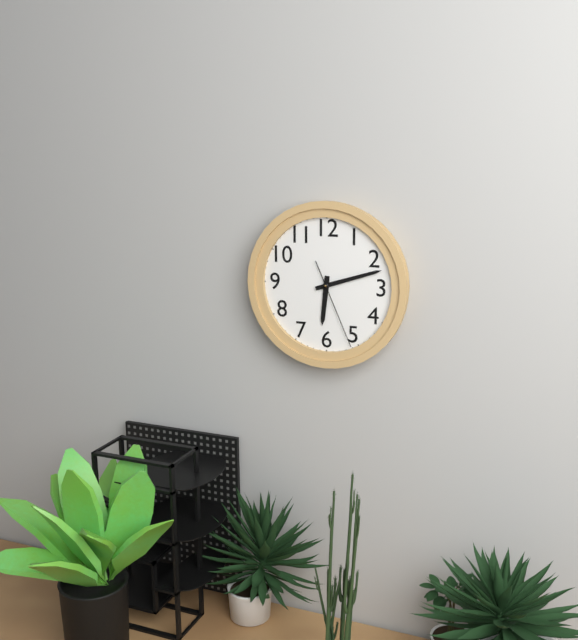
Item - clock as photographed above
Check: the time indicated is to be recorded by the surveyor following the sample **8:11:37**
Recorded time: **6:12:26**
